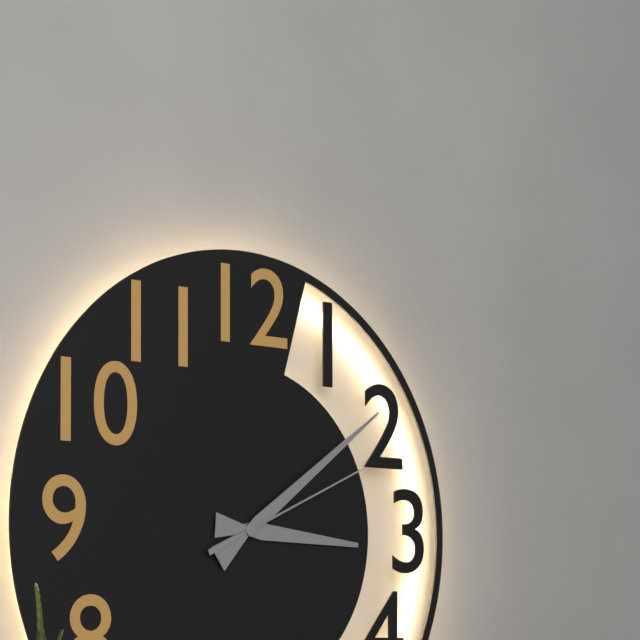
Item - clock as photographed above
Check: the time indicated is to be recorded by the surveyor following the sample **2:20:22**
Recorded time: **3:09:11**
